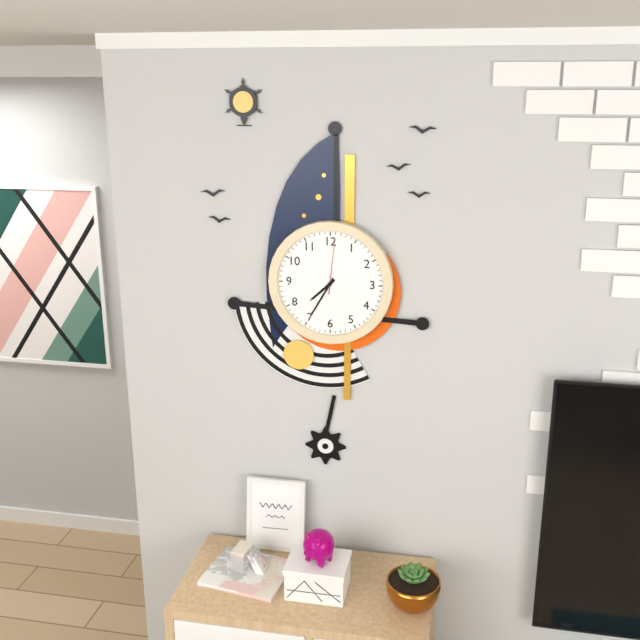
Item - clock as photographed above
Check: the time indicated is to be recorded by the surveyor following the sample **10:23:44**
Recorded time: **7:35:01**
